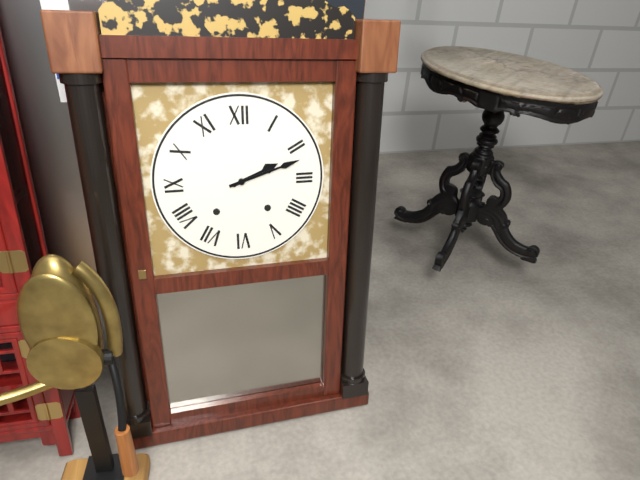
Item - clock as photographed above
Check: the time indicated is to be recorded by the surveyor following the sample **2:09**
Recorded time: **2:12**
